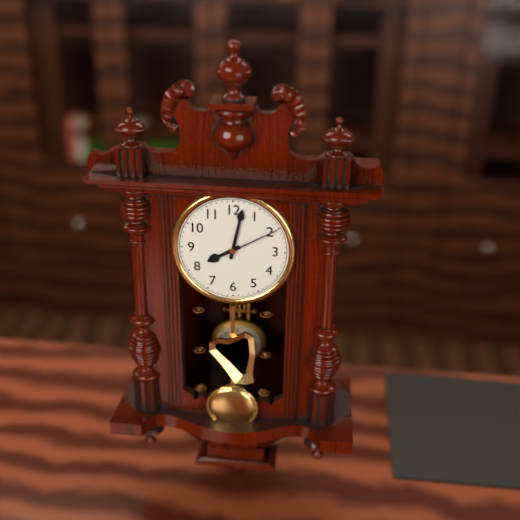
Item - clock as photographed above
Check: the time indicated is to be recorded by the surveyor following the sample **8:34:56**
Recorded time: **8:02:10**
